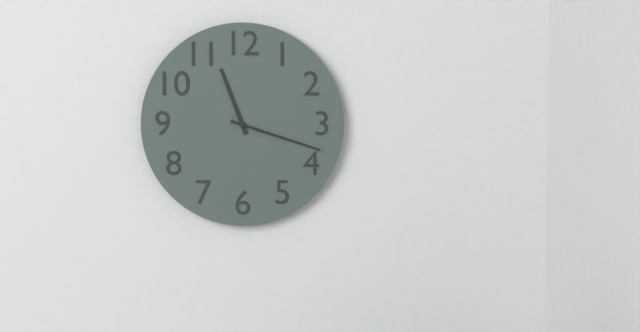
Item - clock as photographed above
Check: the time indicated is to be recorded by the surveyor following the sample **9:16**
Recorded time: **11:18**
